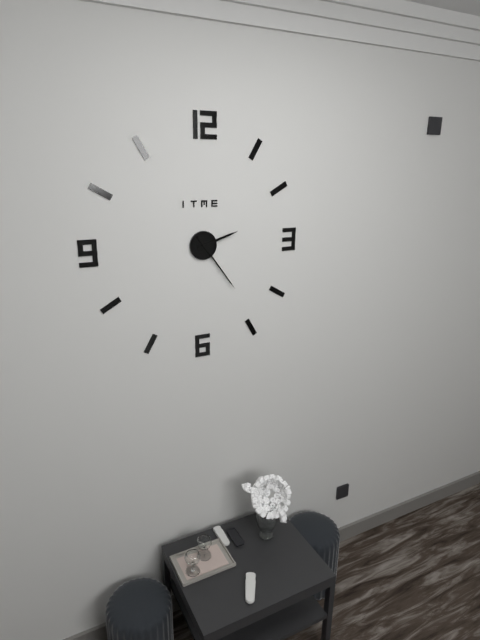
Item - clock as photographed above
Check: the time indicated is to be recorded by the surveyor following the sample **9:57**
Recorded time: **2:24**
